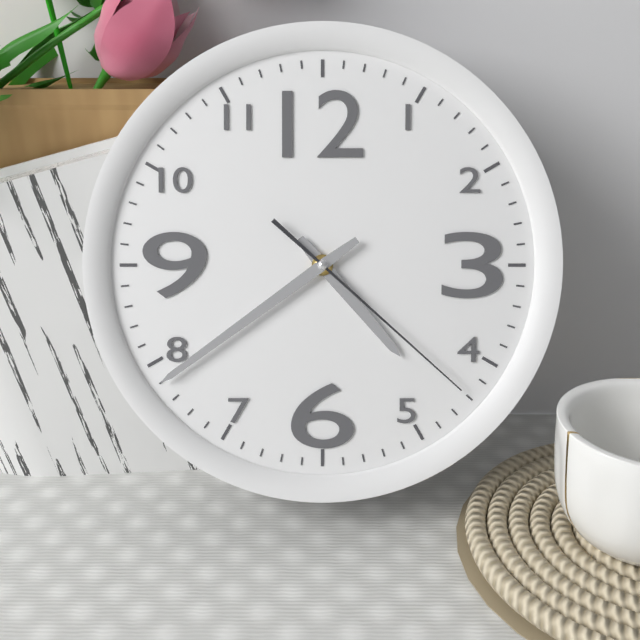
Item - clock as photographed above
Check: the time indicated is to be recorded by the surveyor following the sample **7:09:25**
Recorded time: **4:39:22**
